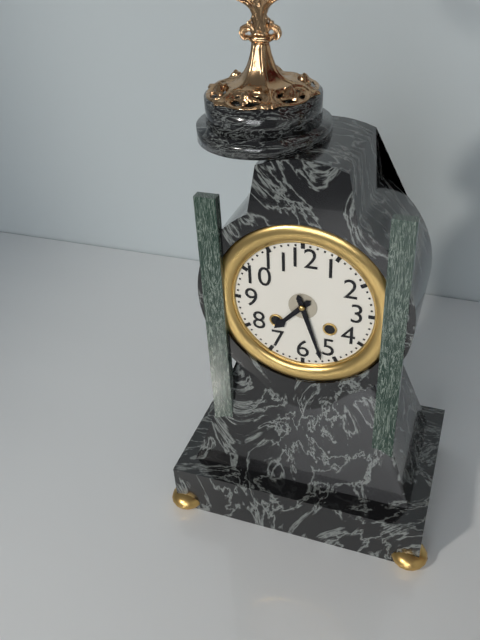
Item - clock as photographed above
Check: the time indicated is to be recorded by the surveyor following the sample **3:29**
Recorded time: **7:27**
